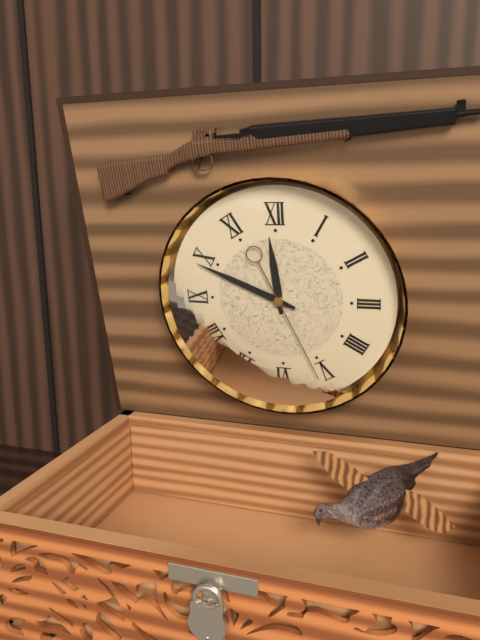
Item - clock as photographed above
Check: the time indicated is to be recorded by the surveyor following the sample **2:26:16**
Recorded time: **11:49:26**
